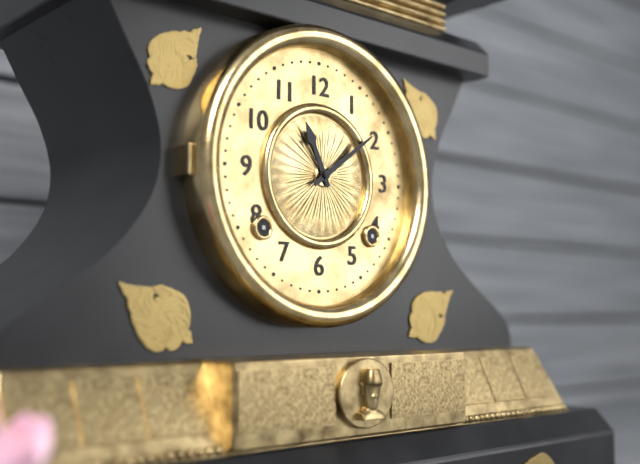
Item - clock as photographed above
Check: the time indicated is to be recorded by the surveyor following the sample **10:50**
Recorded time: **11:09**
